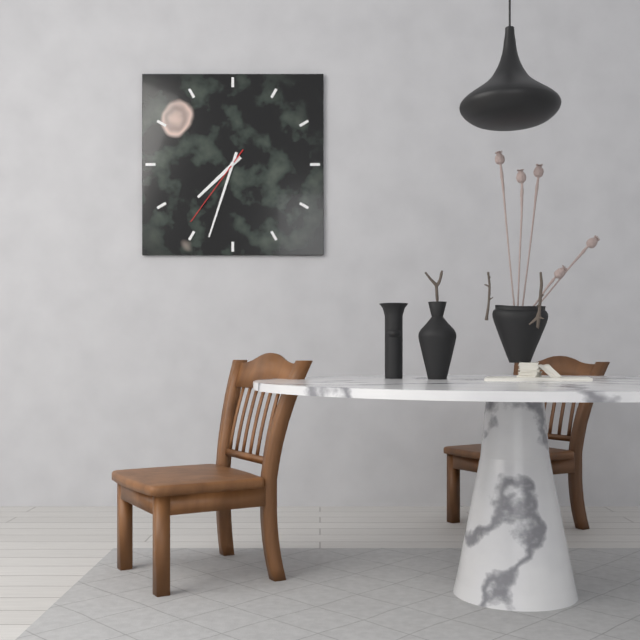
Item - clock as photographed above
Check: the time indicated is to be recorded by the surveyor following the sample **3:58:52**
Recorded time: **7:33:36**
